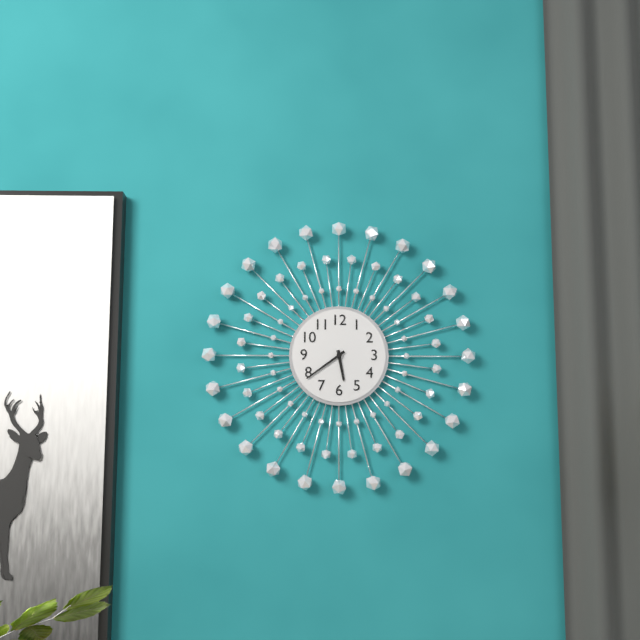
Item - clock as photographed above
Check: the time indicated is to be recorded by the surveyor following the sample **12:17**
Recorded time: **5:39**
